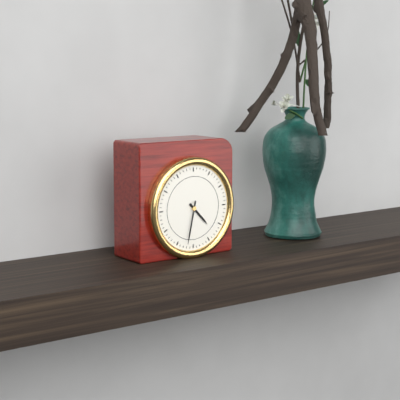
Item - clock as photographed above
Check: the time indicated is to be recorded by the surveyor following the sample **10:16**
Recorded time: **4:32**
